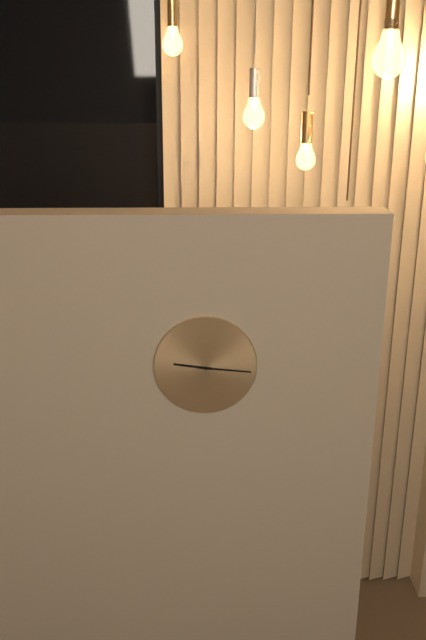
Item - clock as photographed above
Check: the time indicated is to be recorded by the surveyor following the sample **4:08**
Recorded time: **9:16**
